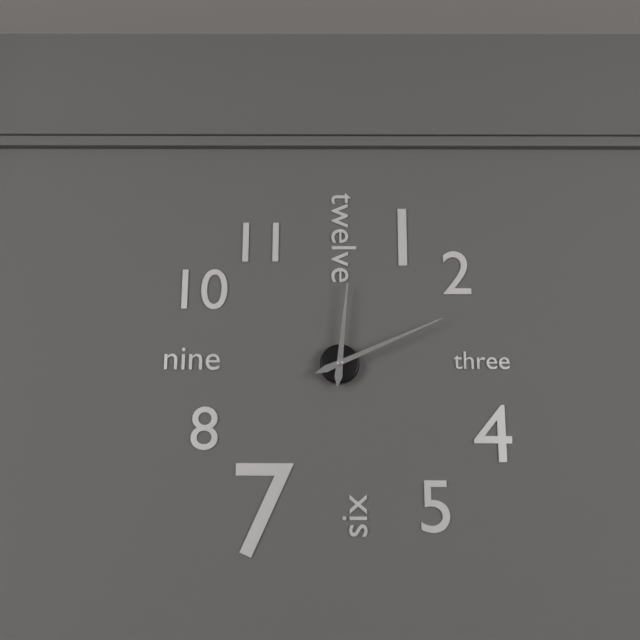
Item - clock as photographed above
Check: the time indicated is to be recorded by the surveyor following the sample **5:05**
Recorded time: **12:11**
